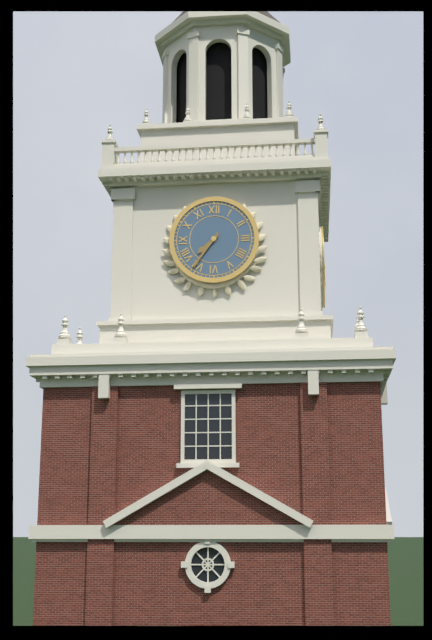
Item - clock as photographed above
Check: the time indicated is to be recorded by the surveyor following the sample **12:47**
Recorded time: **7:36**
